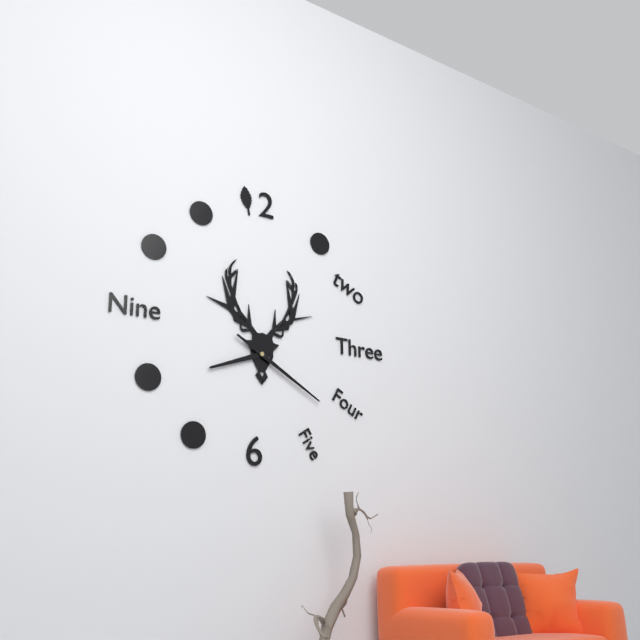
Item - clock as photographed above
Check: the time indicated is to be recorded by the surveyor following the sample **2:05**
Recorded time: **8:20**
